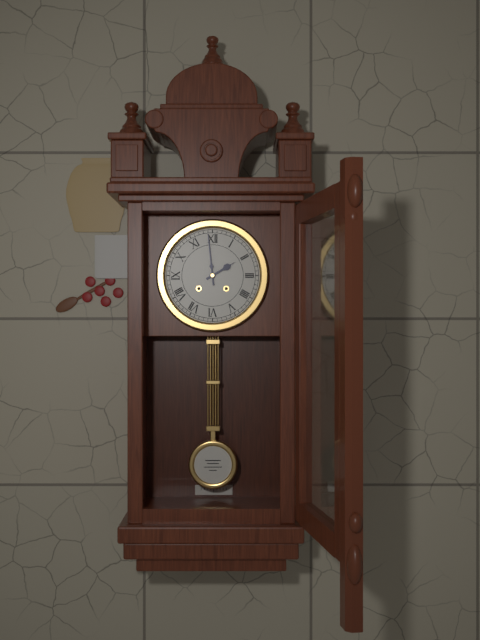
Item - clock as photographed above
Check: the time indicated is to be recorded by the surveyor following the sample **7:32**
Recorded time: **1:59**
